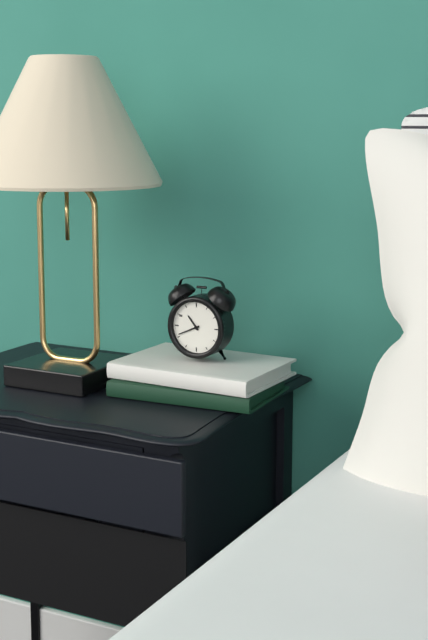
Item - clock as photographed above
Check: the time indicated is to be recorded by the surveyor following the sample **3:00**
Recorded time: **10:41**
